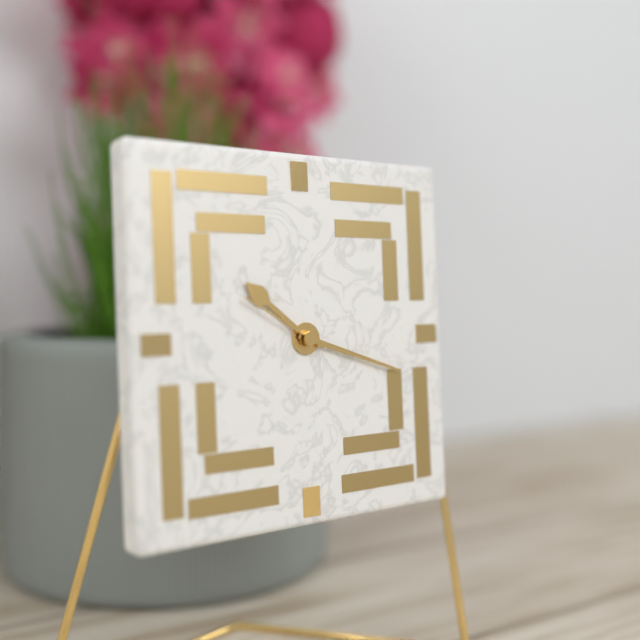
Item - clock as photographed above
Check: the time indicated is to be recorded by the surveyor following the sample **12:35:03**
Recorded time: **10:18:50**
